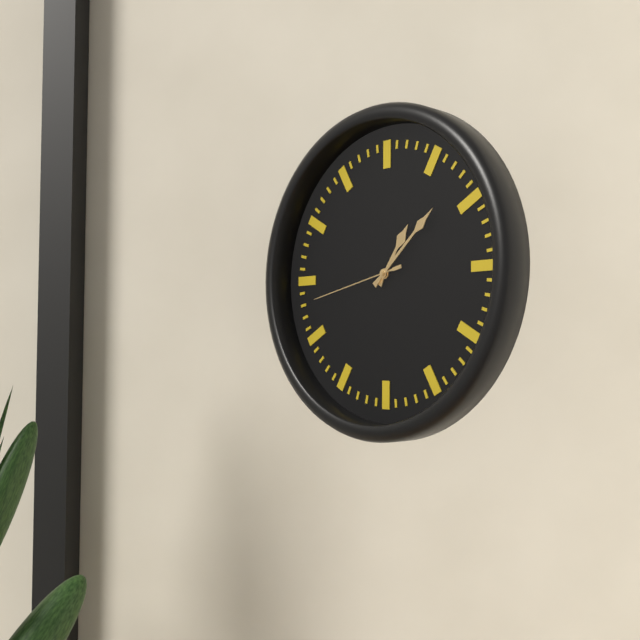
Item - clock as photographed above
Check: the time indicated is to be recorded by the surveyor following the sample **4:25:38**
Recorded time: **1:08:43**
